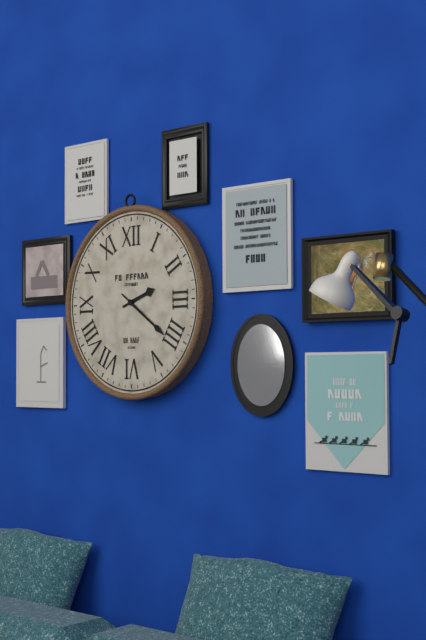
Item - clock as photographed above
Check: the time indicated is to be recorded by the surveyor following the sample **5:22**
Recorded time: **2:21**
